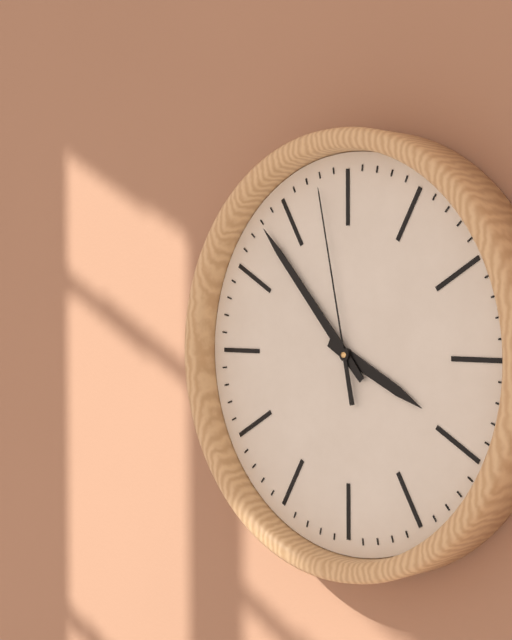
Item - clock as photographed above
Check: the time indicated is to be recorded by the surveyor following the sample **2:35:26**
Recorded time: **3:53:58**
